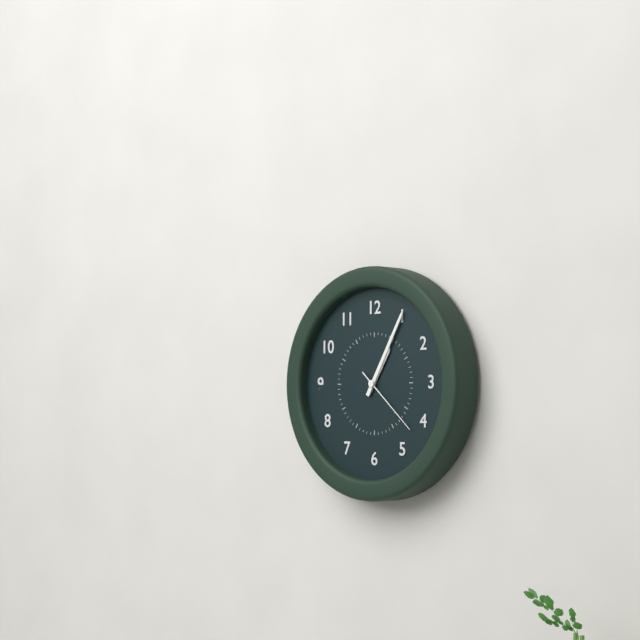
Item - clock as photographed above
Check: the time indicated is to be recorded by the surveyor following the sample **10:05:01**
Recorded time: **1:05:22**
